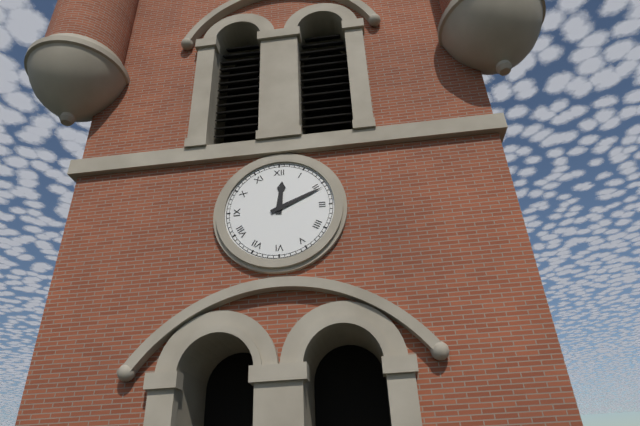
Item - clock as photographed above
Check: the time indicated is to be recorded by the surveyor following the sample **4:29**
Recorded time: **12:11**
